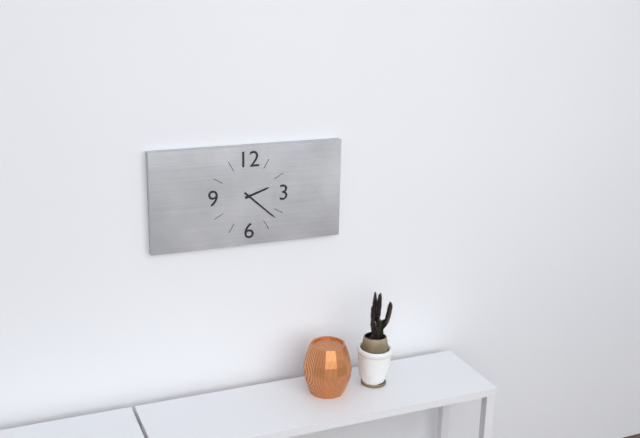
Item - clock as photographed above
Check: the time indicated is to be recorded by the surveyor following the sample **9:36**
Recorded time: **2:22**
